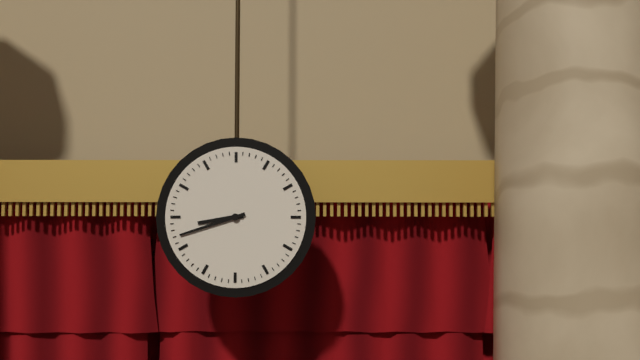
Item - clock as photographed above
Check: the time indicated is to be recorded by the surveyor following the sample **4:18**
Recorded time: **8:42**
